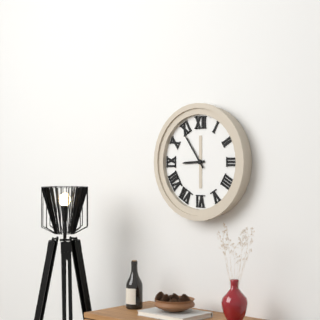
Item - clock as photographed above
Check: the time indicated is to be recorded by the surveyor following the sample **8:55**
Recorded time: **8:54**
